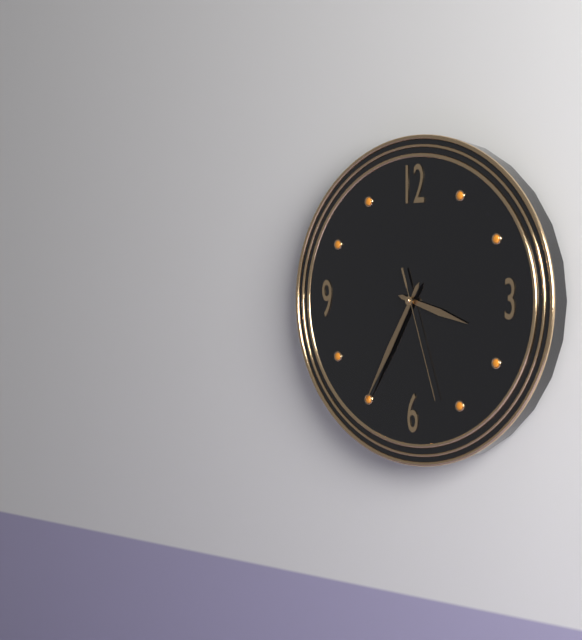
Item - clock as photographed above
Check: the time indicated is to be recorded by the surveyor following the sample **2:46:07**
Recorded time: **3:35:27**
